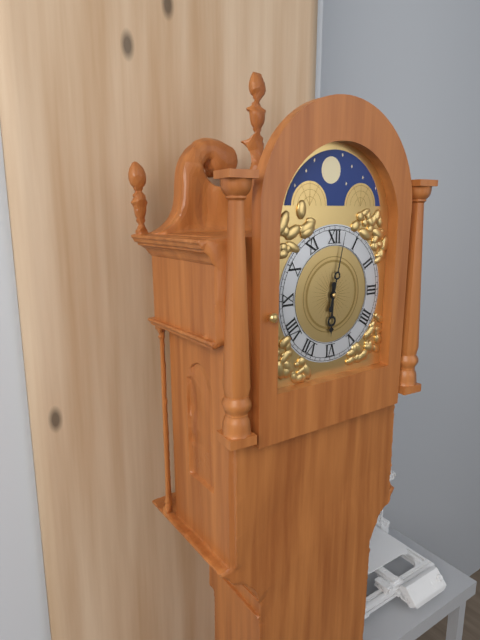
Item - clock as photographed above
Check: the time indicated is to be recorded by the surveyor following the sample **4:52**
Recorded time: **6:02**
